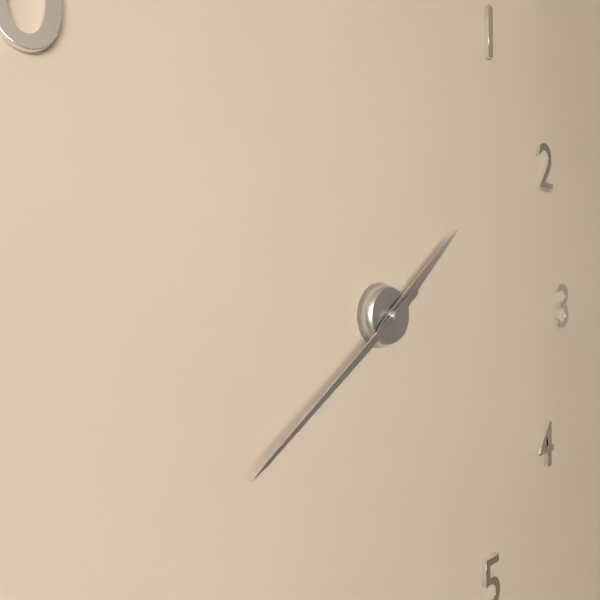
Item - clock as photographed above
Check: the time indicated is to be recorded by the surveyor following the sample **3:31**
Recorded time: **1:39**
